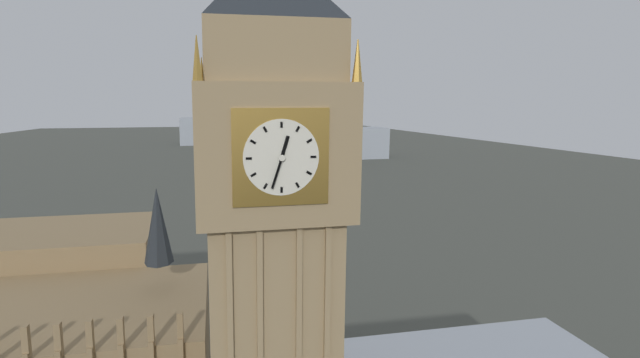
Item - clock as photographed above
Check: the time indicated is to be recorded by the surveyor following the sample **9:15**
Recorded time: **12:33**
